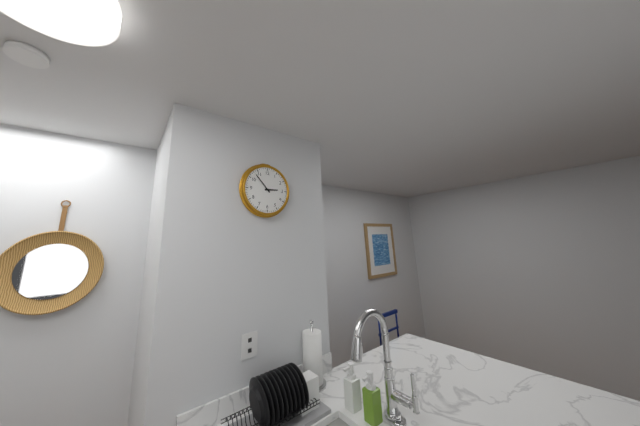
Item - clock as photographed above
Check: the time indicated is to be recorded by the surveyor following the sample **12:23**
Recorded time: **2:53**
